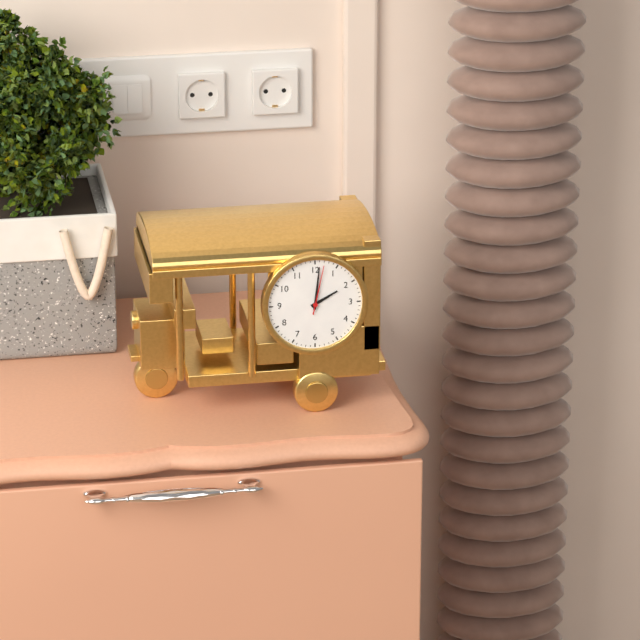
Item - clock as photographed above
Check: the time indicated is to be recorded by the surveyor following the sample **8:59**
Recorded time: **2:01**
